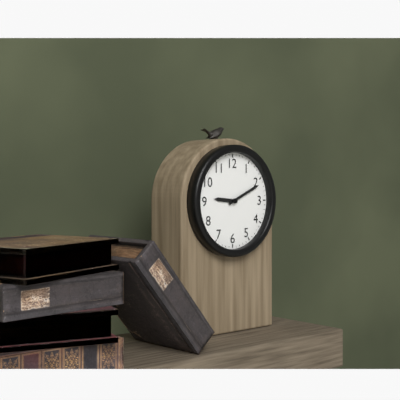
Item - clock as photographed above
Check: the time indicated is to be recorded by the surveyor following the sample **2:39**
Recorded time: **9:11**
